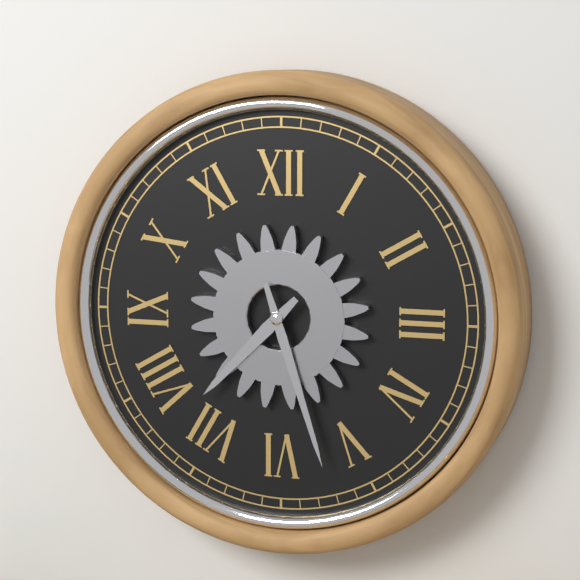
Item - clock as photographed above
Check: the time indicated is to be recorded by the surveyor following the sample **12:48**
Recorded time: **7:27**
